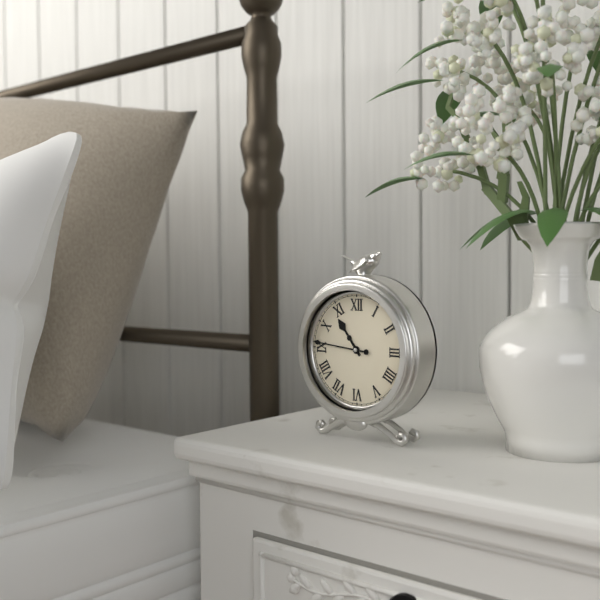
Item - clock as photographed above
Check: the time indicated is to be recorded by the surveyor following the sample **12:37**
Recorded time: **10:46**
